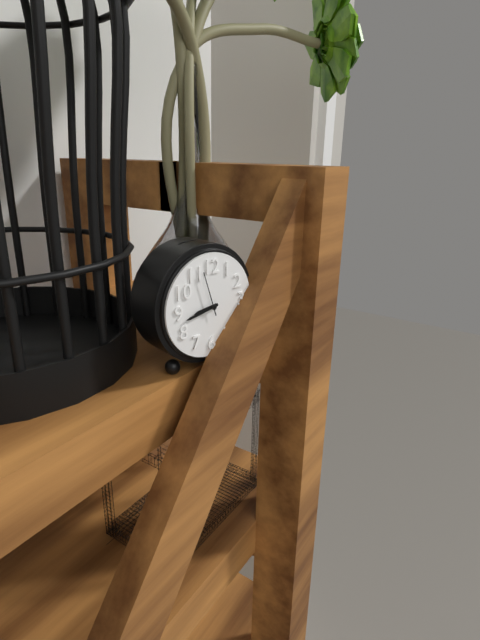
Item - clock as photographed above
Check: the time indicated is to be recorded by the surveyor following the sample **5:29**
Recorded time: **8:43**
